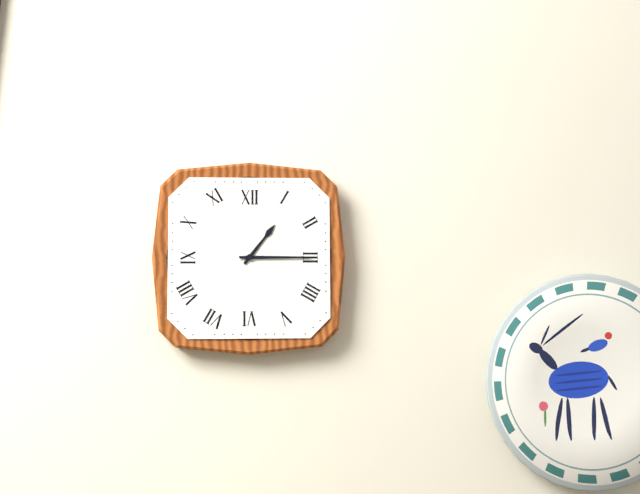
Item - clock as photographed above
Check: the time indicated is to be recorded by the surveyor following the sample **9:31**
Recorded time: **1:15**
